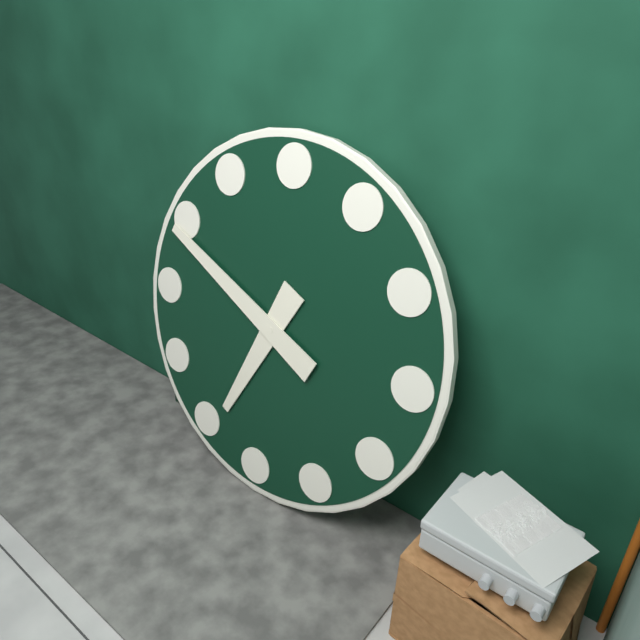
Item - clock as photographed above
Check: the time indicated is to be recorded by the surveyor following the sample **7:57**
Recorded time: **6:49**
